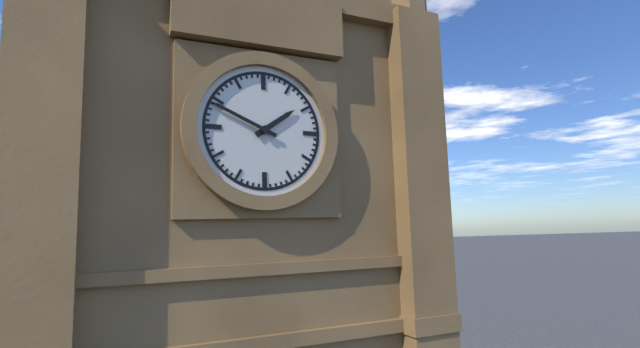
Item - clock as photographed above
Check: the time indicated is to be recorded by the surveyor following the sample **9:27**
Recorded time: **1:49**
